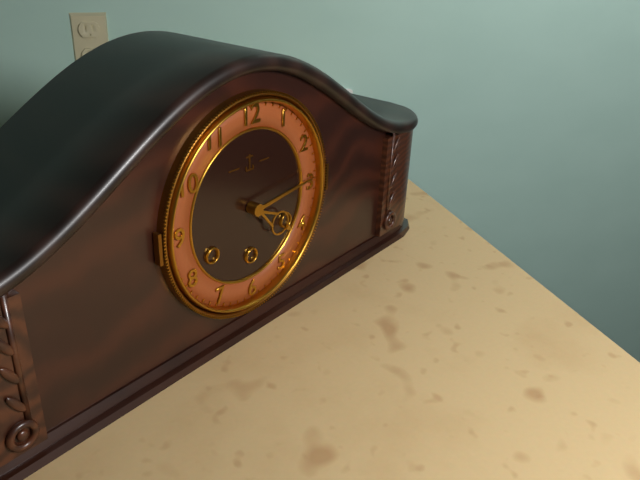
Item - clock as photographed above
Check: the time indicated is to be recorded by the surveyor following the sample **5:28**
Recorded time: **4:14**
